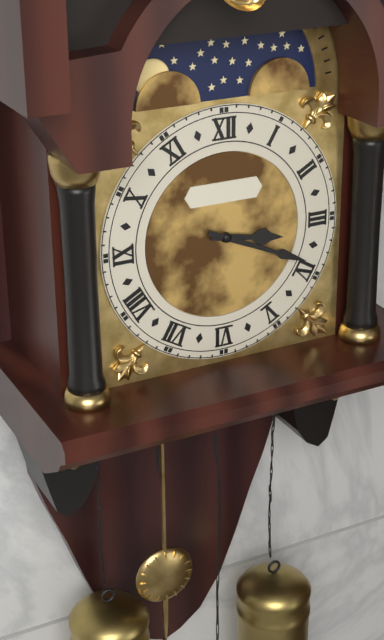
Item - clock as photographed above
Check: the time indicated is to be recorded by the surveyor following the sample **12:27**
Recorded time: **3:19**
